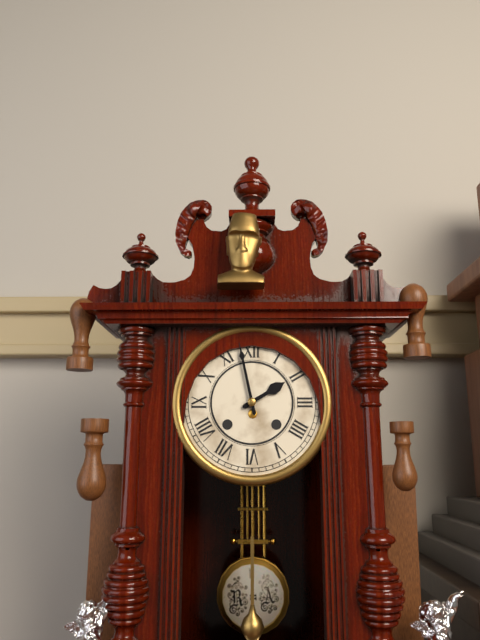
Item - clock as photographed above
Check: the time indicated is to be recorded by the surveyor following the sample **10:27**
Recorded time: **1:58**
